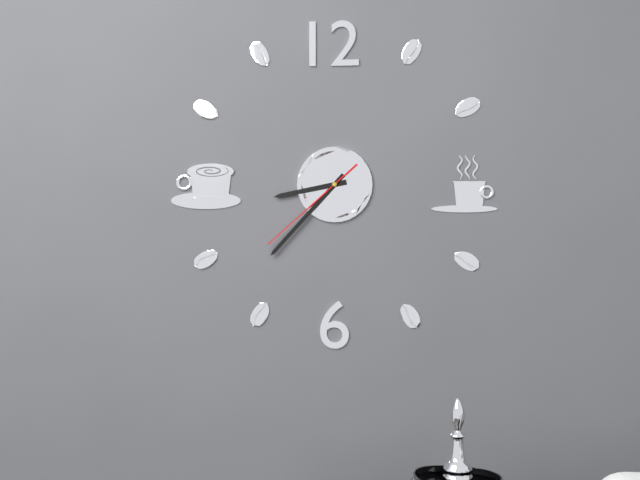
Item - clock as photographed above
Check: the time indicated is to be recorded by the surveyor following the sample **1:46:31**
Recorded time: **8:37:38**
